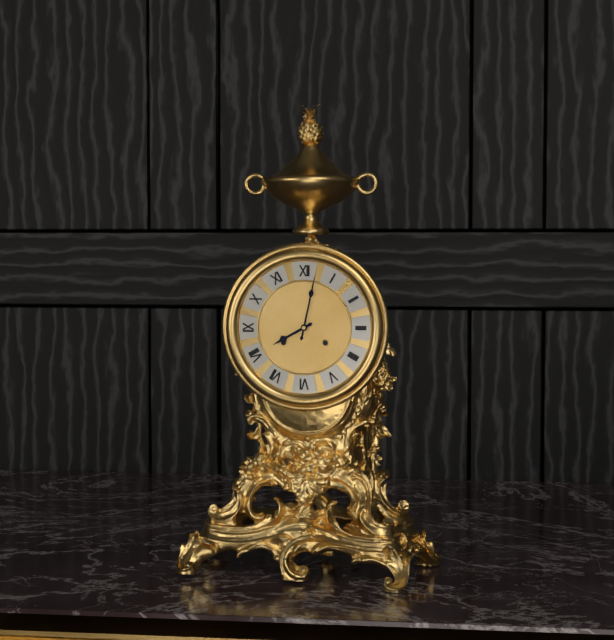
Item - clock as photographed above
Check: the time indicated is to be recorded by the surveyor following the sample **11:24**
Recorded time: **8:02**
